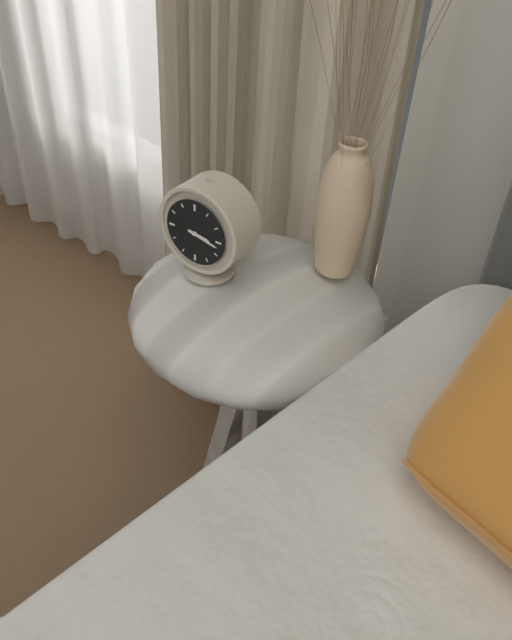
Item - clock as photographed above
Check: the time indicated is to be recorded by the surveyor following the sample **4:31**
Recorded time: **3:17**
